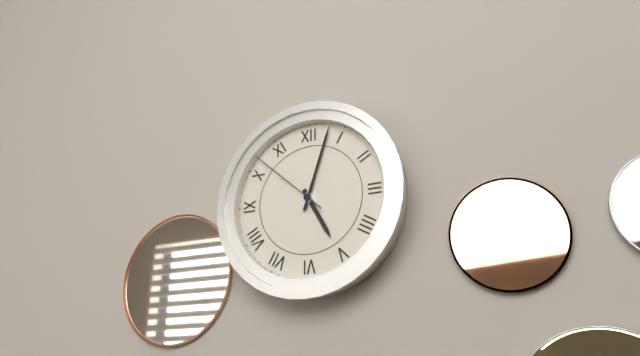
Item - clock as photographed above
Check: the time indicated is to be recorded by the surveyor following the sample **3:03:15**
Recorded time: **5:03:52**
